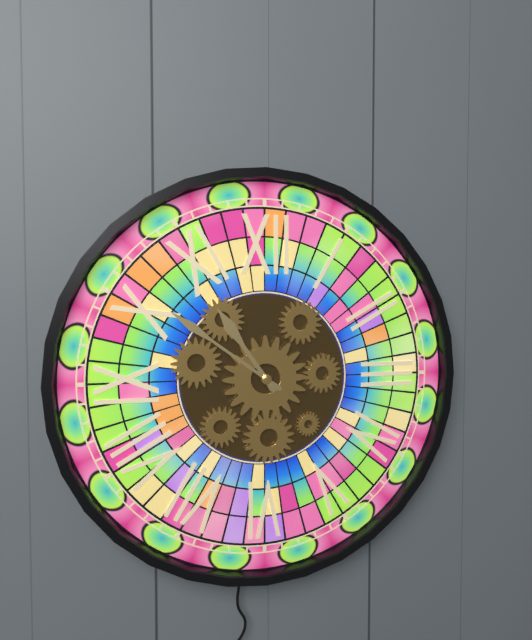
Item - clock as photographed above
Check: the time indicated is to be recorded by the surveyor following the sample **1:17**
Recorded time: **10:51**
